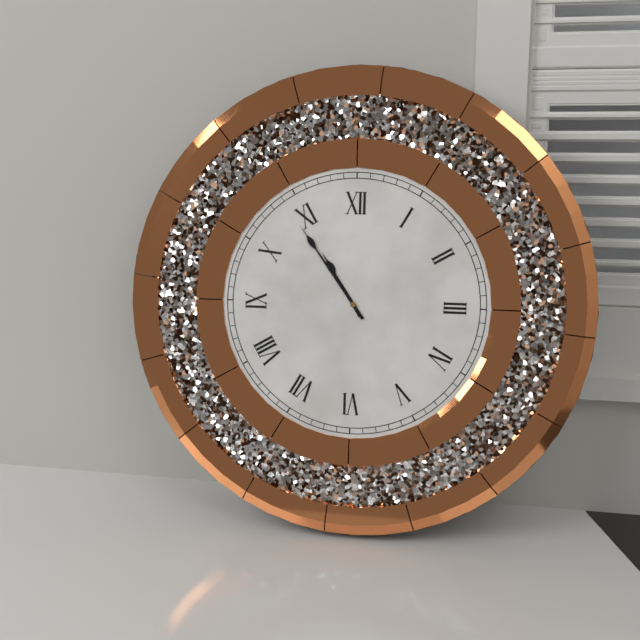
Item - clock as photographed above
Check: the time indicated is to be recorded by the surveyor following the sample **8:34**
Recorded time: **10:54**
